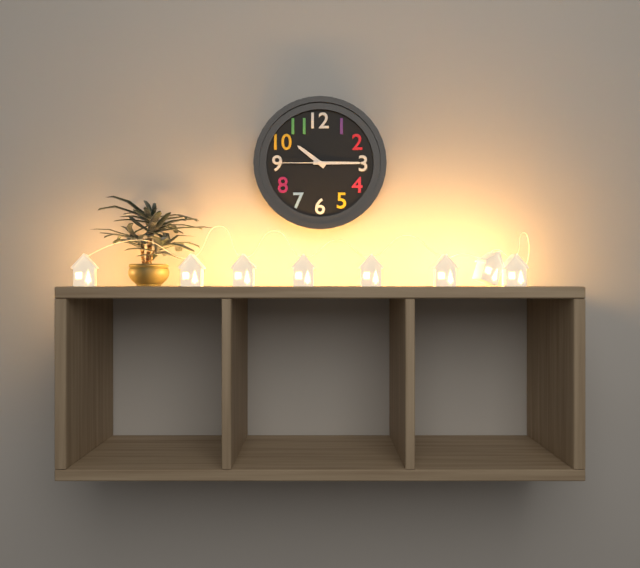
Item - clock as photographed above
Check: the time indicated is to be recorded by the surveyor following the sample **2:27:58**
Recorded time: **10:15:45**
